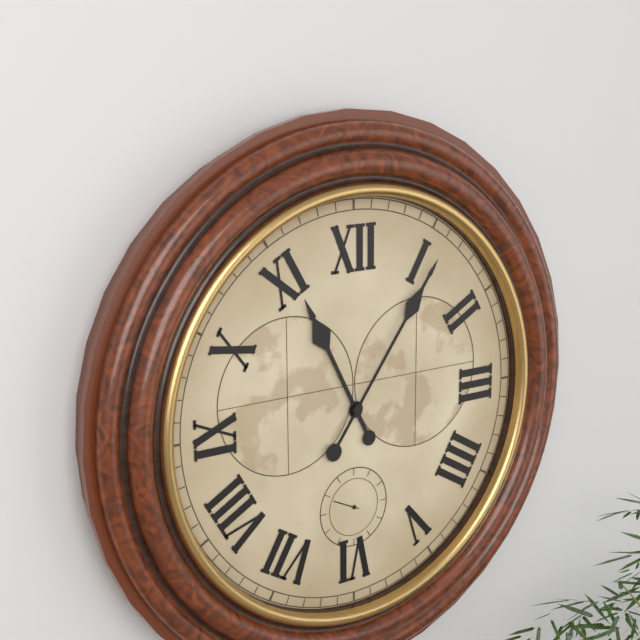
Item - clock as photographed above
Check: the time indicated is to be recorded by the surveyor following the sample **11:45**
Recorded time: **11:06**
